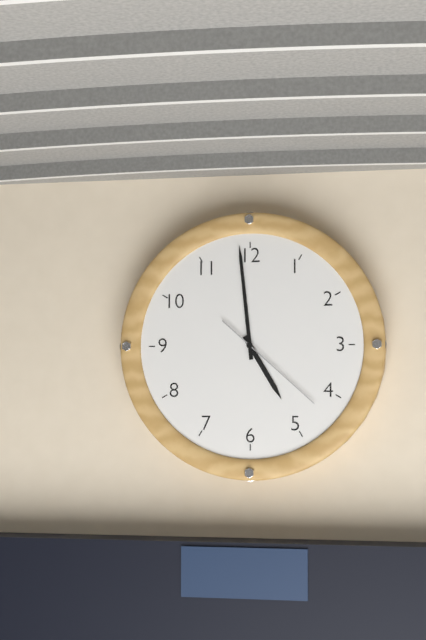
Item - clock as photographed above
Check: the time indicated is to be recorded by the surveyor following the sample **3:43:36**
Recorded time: **4:59:22**
